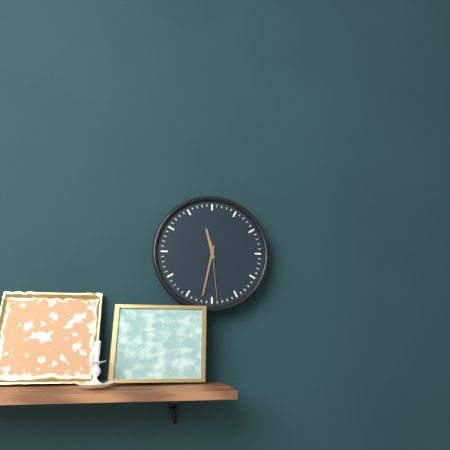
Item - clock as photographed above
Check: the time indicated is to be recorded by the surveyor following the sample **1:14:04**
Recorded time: **11:32:29**
